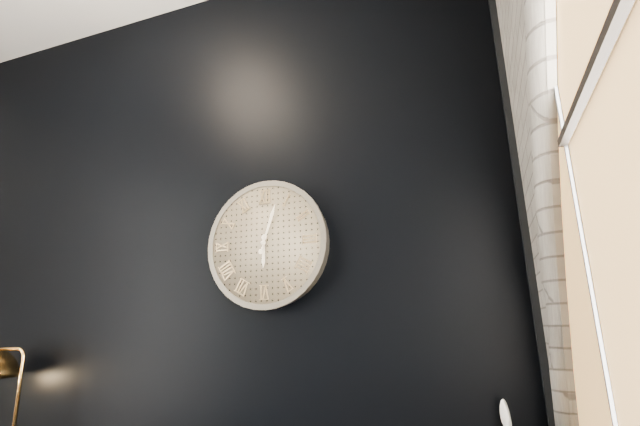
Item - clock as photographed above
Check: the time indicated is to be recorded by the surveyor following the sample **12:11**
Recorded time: **6:03**
